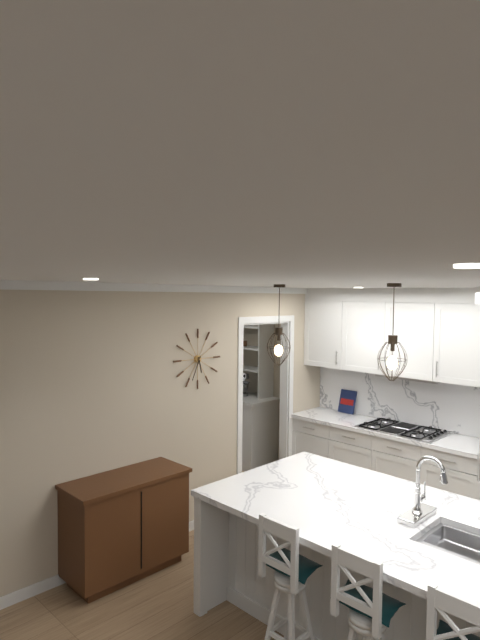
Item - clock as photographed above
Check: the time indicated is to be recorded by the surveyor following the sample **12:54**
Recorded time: **5:34**
